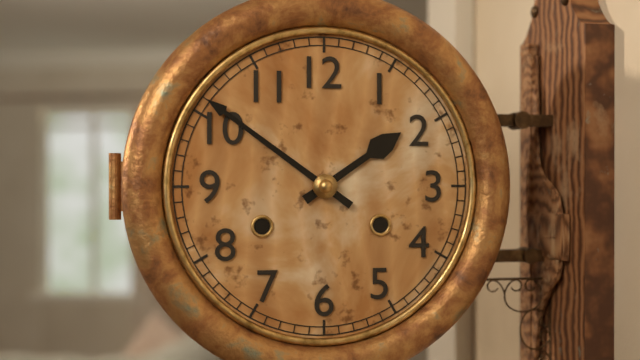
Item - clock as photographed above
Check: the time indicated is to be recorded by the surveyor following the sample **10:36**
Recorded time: **1:51**
